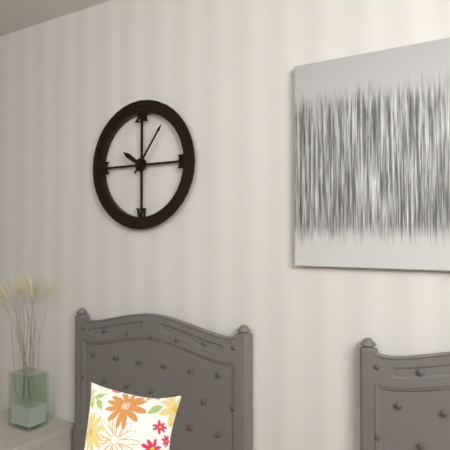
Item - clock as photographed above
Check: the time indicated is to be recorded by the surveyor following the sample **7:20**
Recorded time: **10:06**
